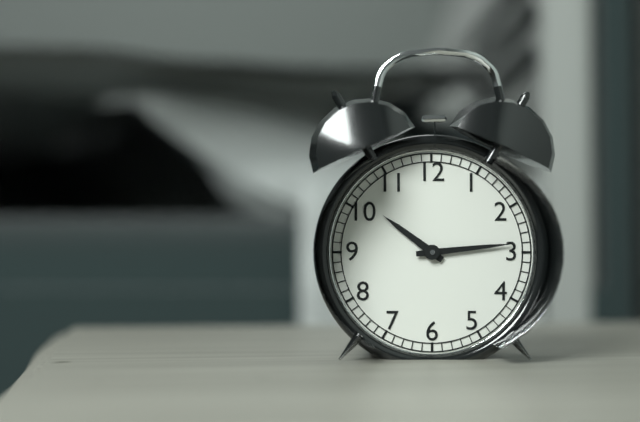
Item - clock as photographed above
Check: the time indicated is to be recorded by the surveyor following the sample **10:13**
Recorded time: **10:14**
